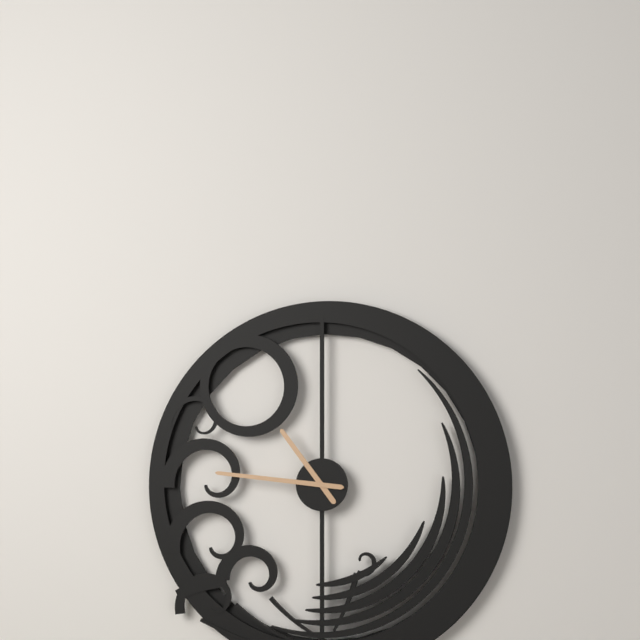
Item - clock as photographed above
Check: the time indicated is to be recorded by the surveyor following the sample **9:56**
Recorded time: **10:46**
